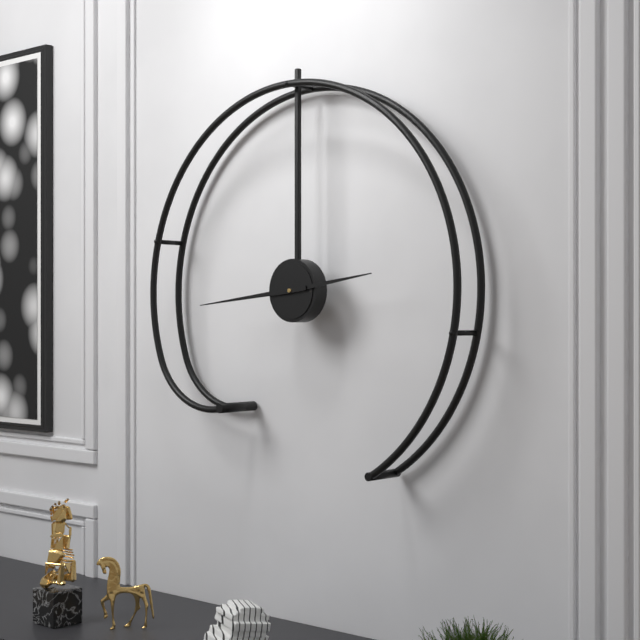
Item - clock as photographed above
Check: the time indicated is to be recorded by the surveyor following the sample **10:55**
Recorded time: **2:44**
